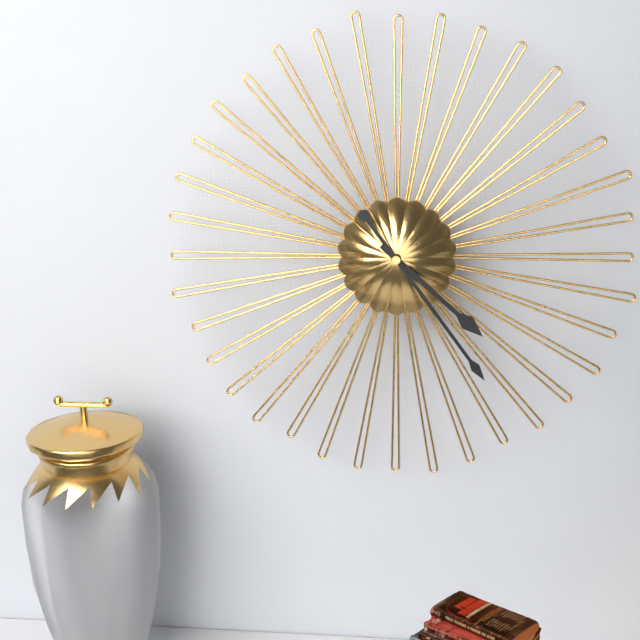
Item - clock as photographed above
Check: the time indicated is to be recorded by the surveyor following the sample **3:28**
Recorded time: **4:24**
